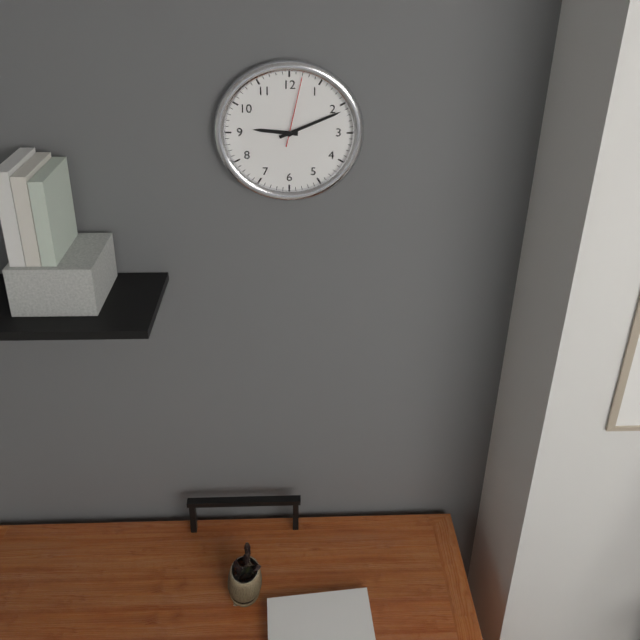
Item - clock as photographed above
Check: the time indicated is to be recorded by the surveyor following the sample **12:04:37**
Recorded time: **9:11:02**
